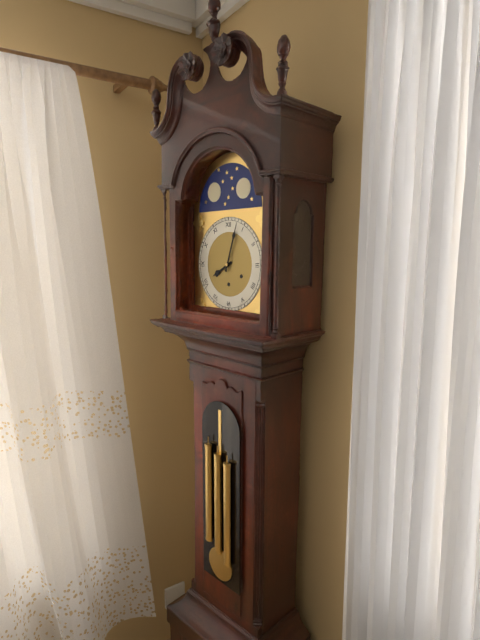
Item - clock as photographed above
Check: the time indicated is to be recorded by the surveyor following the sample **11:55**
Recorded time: **8:03**
